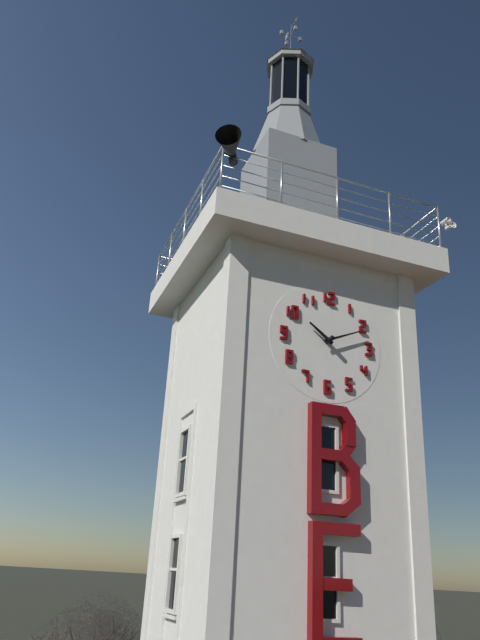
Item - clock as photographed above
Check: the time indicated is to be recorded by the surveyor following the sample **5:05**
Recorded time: **10:11**
